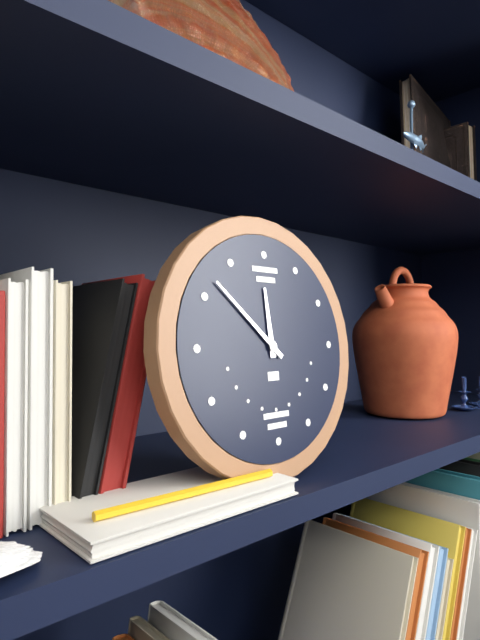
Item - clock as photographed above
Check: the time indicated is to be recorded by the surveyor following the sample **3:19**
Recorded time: **11:52**
